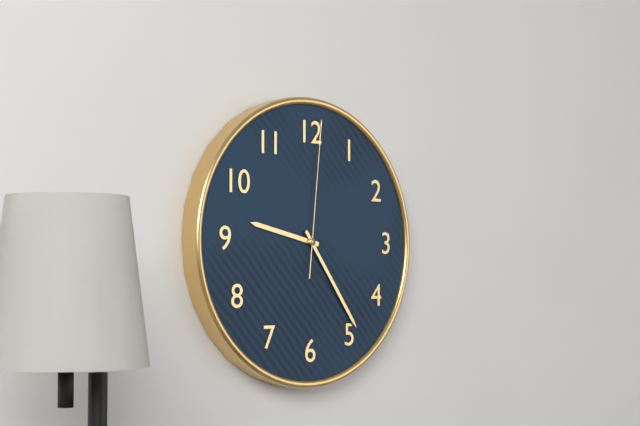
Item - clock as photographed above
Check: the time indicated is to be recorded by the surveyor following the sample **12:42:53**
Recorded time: **9:24:01**
